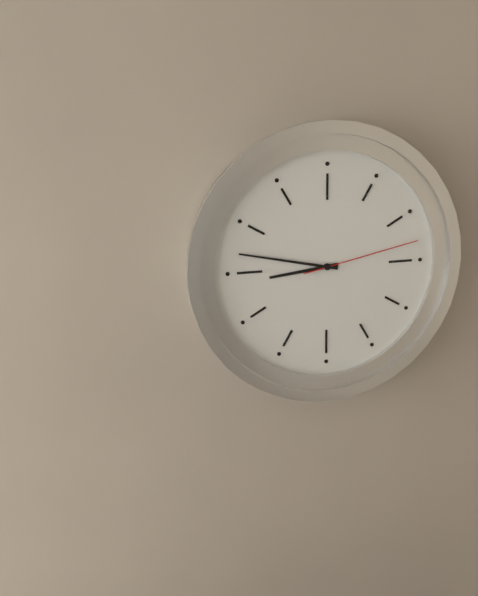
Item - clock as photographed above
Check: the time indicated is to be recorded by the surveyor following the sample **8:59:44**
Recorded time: **8:47:13**
